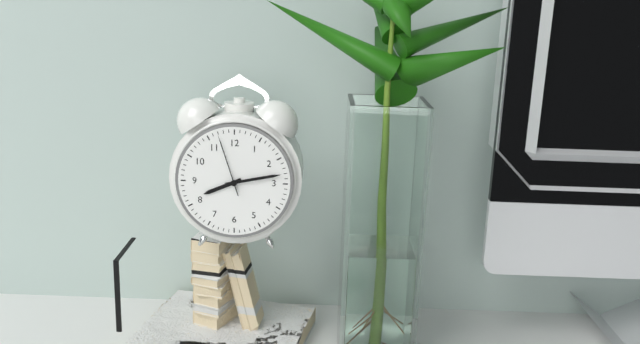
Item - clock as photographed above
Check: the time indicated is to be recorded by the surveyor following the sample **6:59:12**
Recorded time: **8:13:57**
